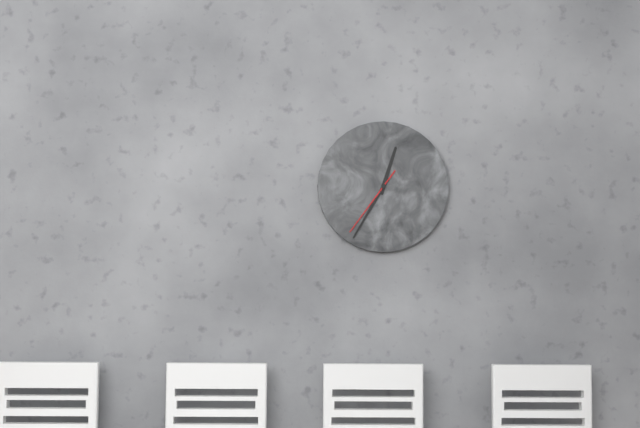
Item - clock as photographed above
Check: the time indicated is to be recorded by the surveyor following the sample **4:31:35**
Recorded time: **12:35:36**
